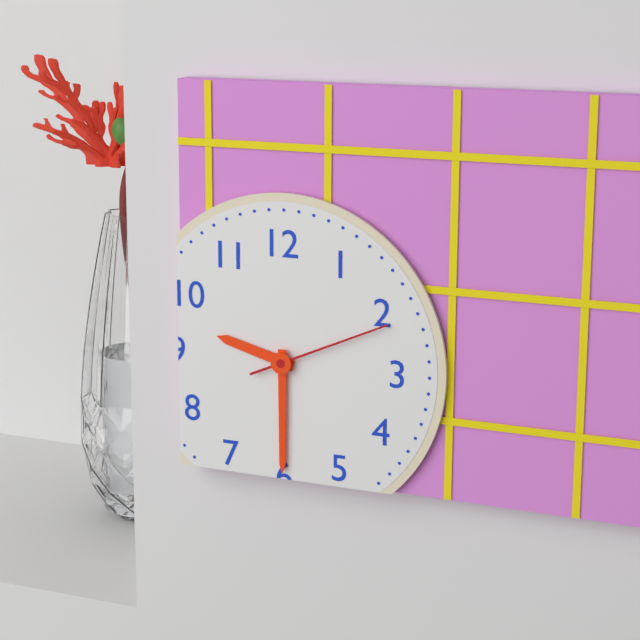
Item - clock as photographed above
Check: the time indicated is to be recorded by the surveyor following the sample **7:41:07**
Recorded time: **9:30:11**
